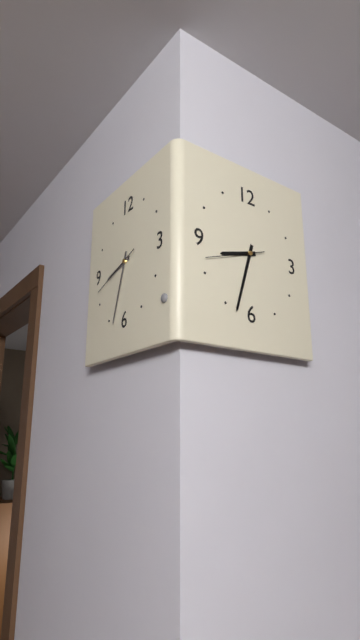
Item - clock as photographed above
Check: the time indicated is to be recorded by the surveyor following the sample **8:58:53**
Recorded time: **8:33:42**
